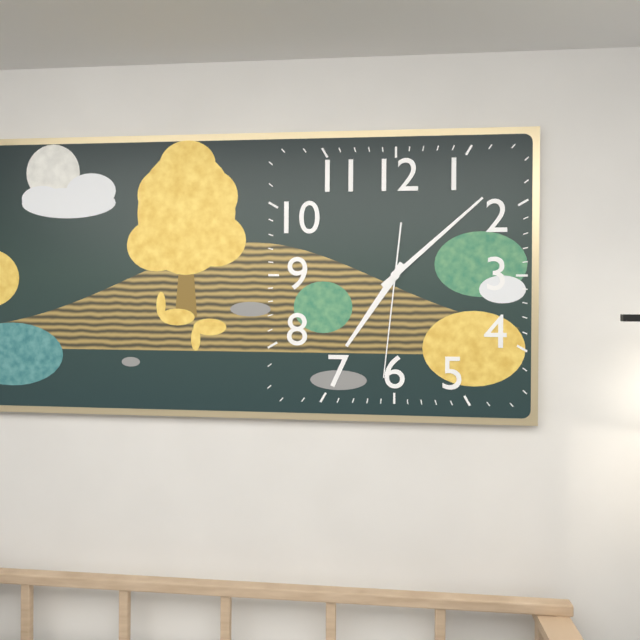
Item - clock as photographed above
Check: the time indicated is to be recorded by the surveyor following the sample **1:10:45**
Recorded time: **7:08:31**
